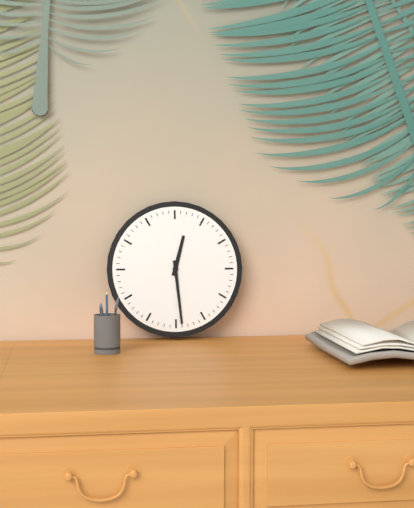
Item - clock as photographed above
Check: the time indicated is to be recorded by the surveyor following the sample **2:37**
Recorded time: **12:29**
